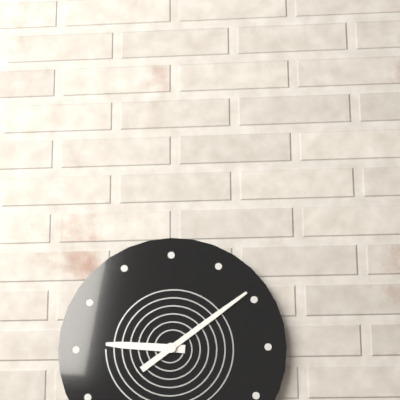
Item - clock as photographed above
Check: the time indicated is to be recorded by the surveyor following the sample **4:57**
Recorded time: **9:09**
